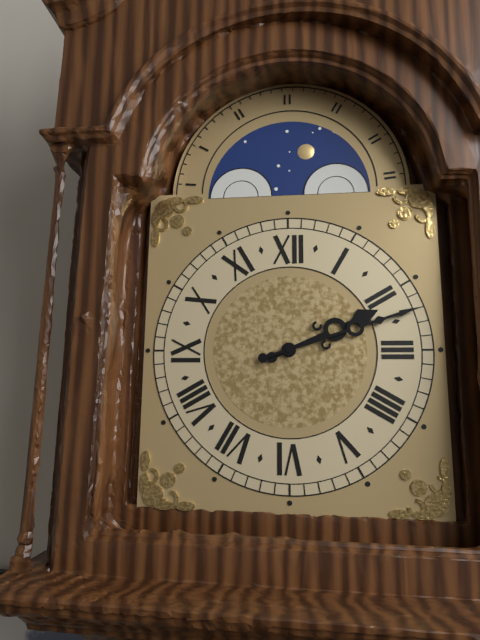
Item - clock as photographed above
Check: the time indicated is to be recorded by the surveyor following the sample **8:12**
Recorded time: **2:12**
